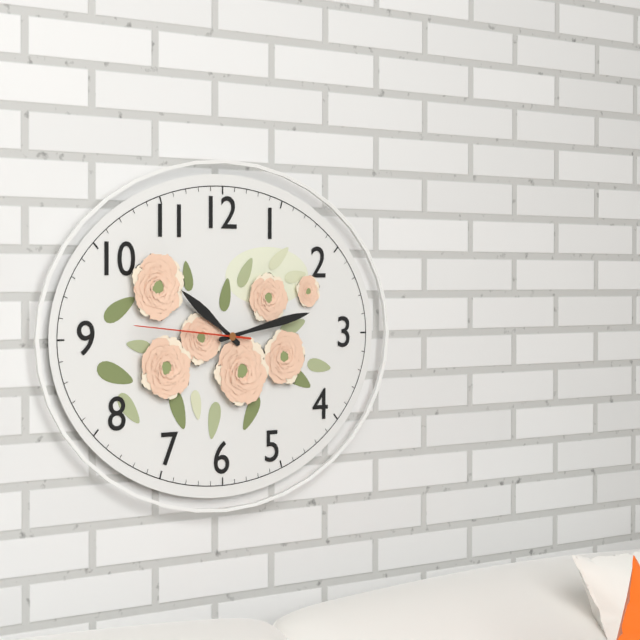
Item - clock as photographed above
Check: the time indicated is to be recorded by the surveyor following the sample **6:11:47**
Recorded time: **10:13:46**
